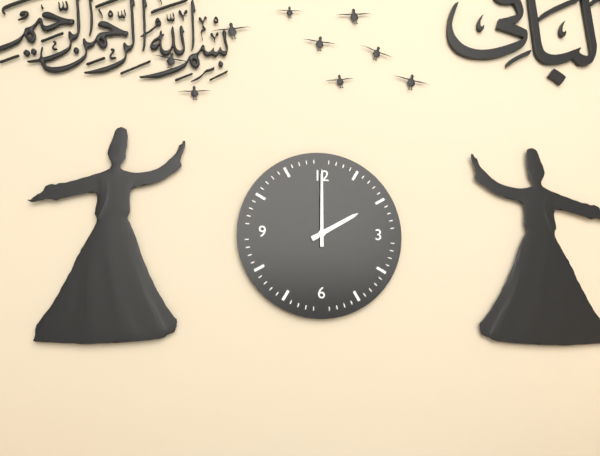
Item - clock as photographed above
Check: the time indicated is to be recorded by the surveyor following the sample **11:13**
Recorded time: **2:00**
